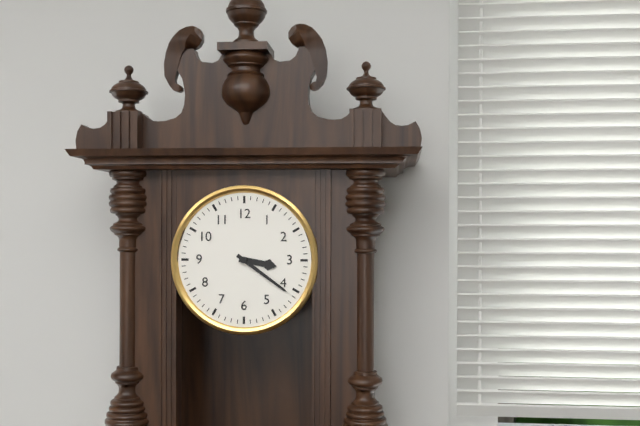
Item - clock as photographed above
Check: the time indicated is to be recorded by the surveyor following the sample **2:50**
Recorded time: **3:21**
